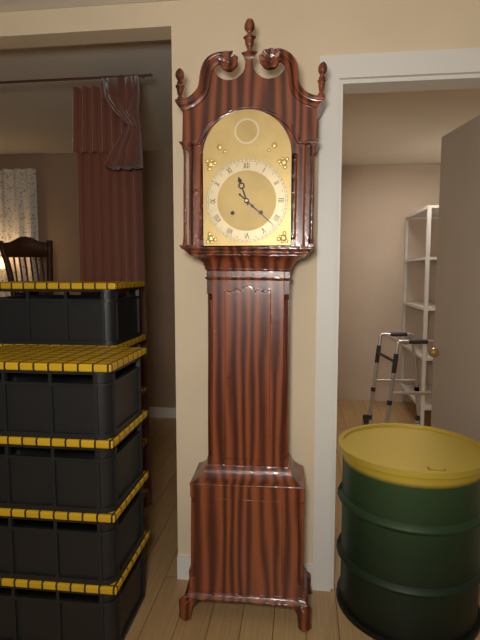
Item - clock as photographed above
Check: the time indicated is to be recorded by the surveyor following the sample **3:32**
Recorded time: **11:22**
